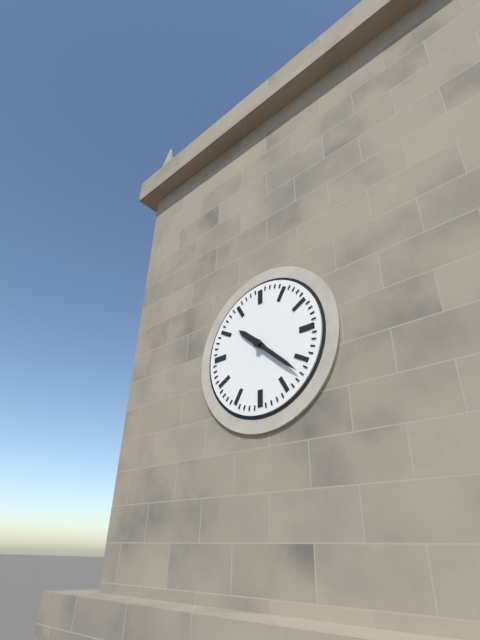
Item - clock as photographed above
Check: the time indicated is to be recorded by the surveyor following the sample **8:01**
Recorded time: **10:22**
